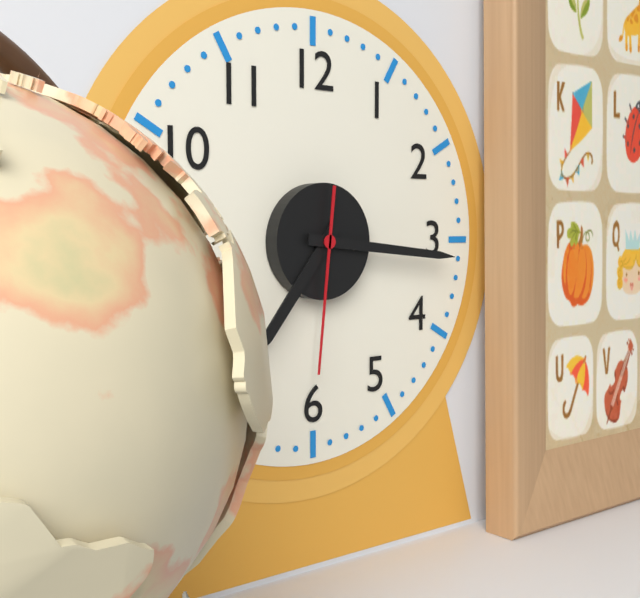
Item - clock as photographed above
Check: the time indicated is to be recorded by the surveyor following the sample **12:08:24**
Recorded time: **7:16:31**
